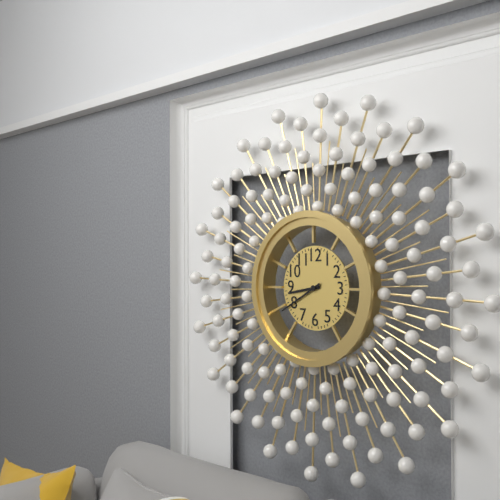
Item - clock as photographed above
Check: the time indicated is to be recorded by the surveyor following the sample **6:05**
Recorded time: **8:40**
